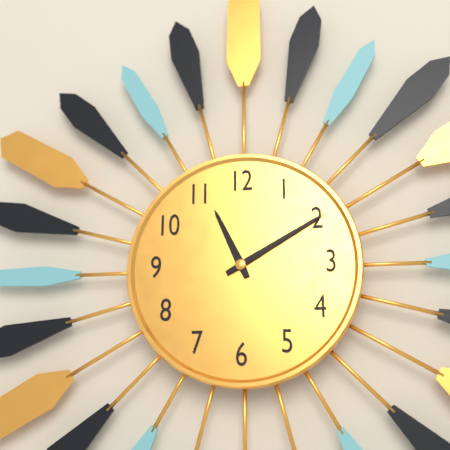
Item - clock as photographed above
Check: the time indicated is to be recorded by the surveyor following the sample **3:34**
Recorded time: **11:10**
